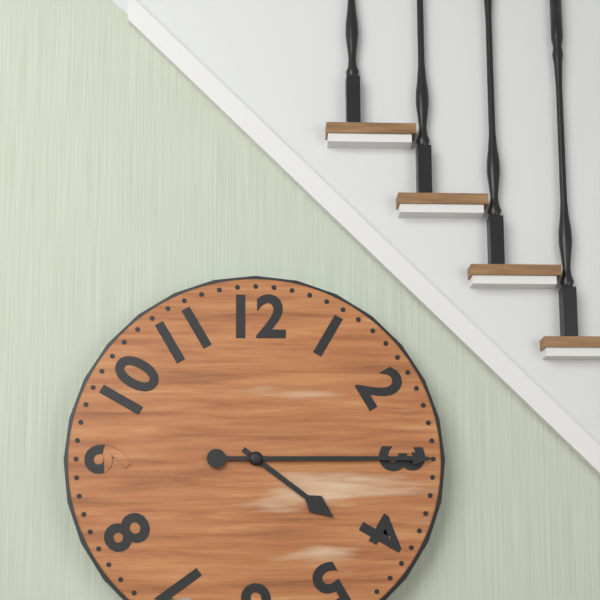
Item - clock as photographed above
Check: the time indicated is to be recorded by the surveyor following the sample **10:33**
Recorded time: **4:15**
